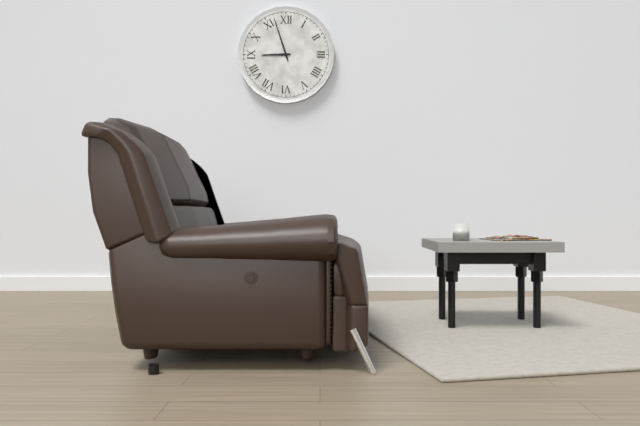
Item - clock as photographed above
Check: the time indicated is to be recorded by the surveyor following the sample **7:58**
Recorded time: **8:57**
